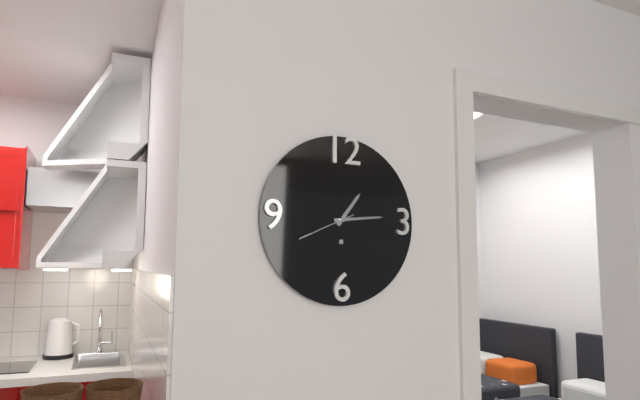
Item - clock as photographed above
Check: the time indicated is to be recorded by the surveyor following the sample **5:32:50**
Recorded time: **1:14:41**
